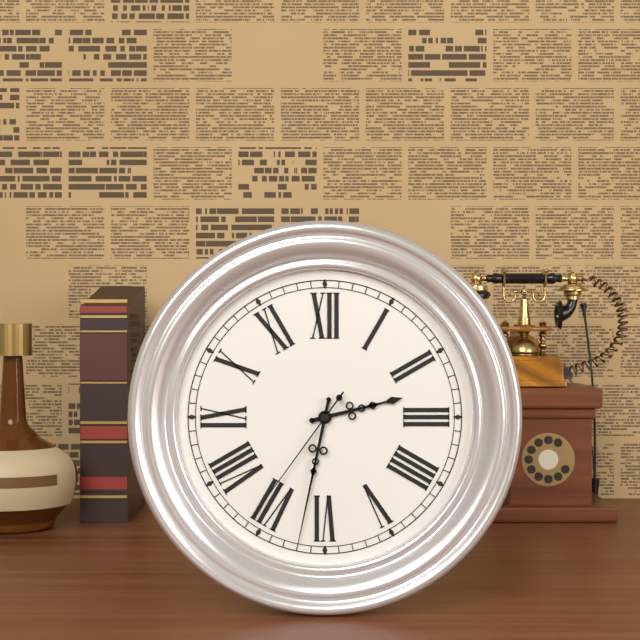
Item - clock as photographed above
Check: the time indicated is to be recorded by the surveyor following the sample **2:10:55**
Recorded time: **2:32:36**
